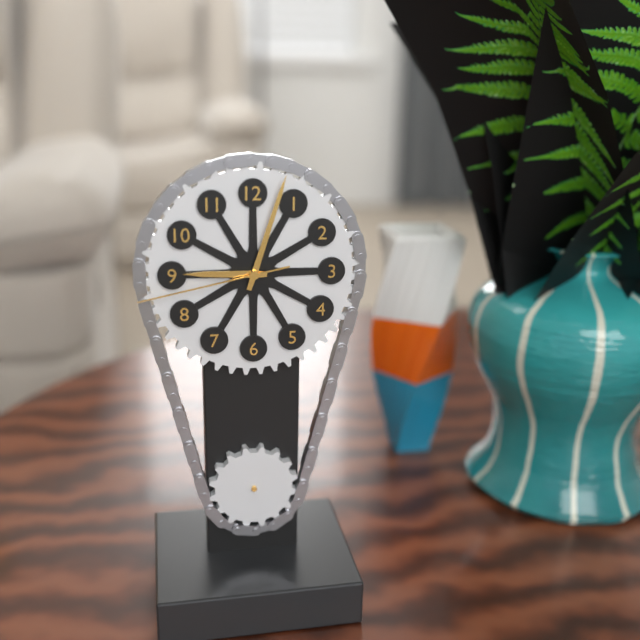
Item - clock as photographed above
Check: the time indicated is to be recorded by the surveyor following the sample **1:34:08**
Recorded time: **9:03:43**
